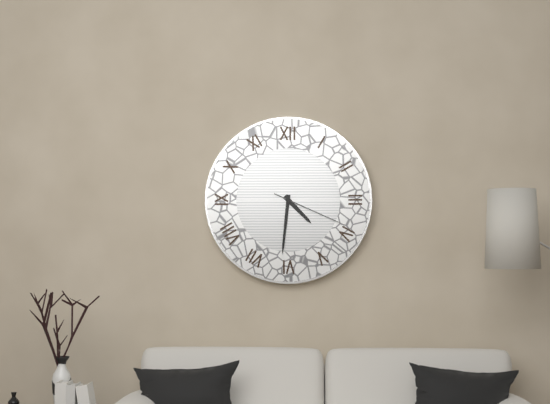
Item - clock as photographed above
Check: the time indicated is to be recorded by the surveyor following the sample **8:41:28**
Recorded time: **4:31:19**
